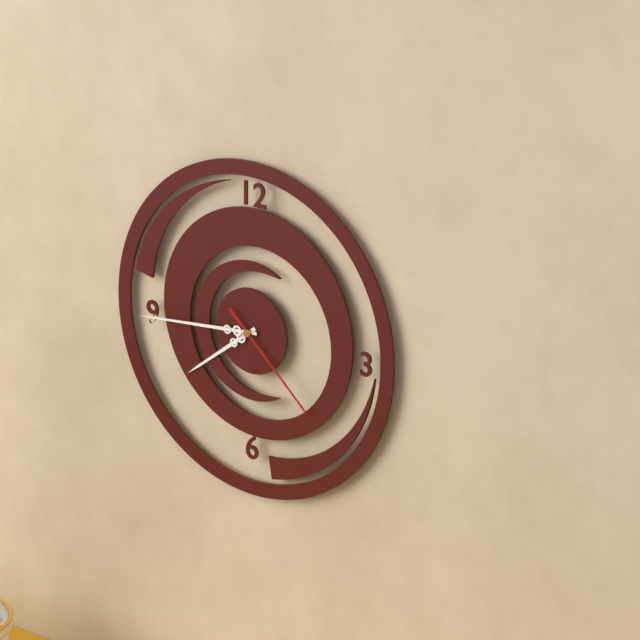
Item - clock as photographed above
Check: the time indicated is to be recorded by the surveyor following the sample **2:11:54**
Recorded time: **7:44:22**
